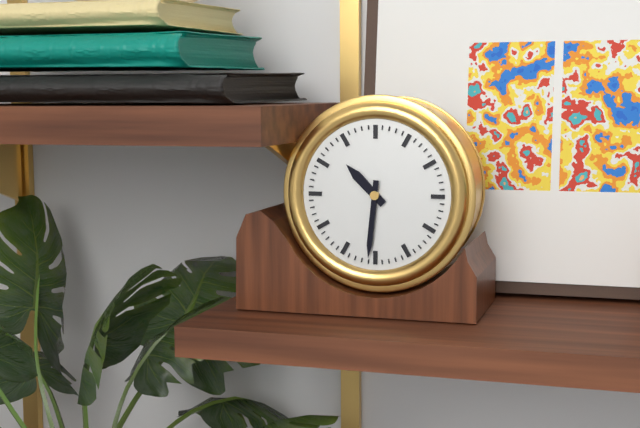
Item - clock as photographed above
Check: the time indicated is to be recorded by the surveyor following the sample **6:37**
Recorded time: **10:31**
